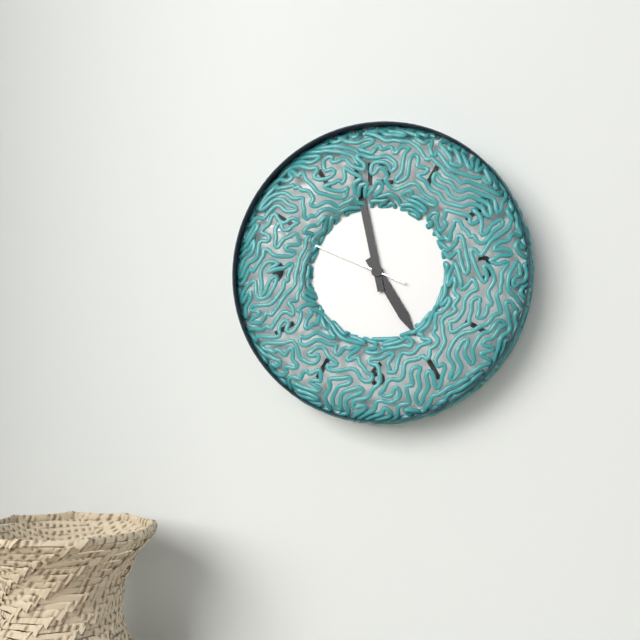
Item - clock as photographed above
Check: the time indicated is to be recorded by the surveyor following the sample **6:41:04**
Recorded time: **4:58:49**
